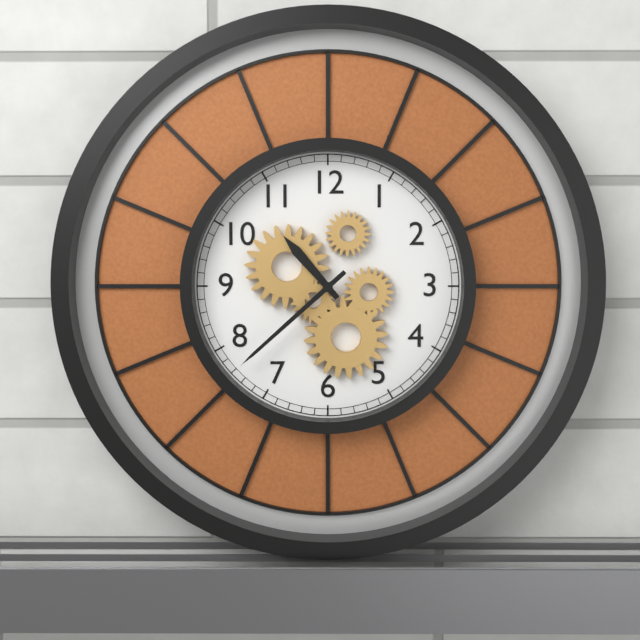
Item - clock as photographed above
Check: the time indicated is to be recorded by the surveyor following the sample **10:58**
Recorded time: **10:38**
